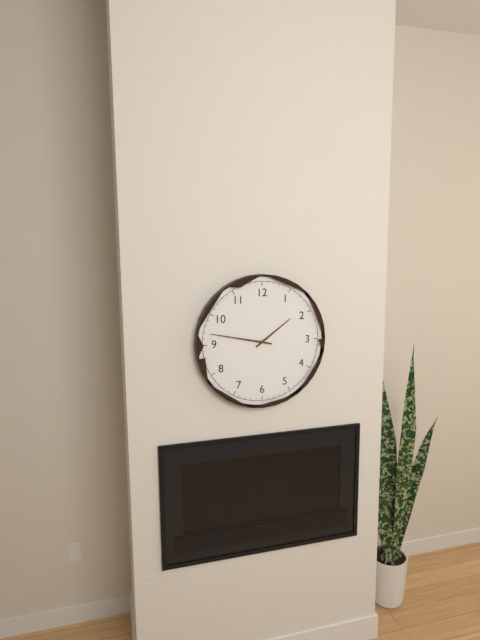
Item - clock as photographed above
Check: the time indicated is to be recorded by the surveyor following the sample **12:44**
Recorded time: **1:47**
